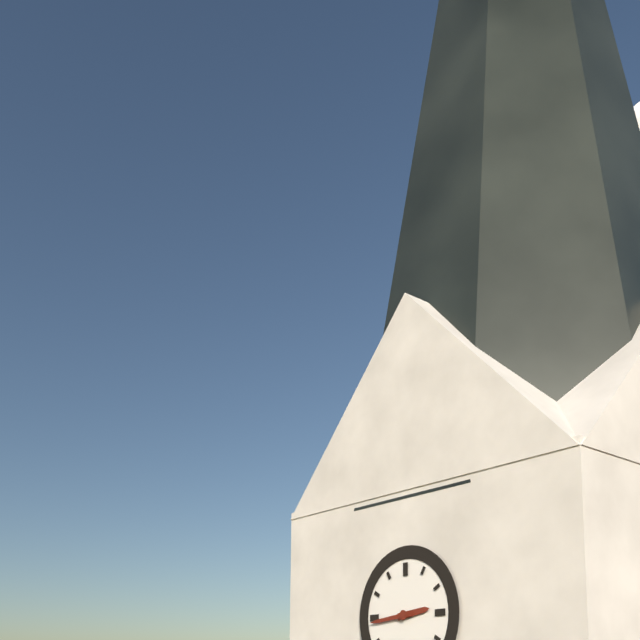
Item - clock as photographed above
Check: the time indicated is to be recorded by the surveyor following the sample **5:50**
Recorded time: **2:44**
